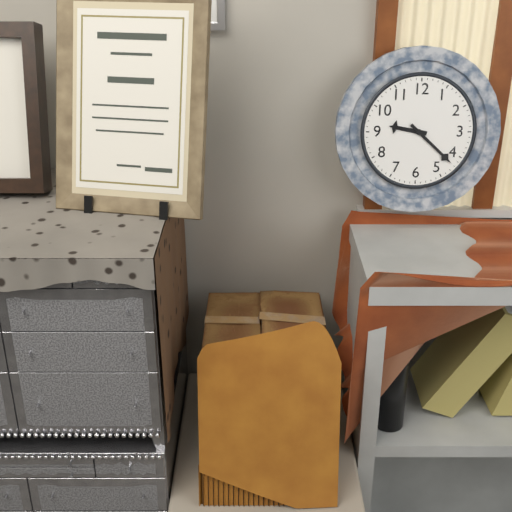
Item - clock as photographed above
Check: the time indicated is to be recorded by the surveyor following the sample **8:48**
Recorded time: **9:22**
